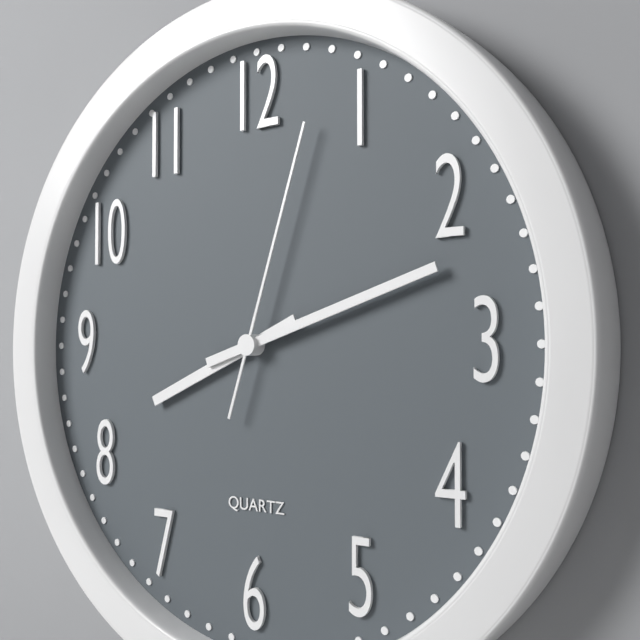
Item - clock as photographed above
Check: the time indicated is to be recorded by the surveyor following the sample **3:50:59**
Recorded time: **8:12:03**
